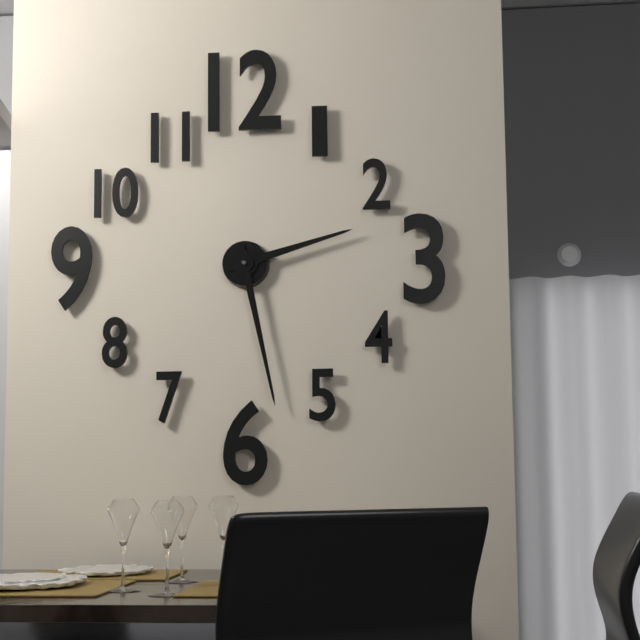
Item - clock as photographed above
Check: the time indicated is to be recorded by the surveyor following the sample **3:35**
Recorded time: **2:28**
